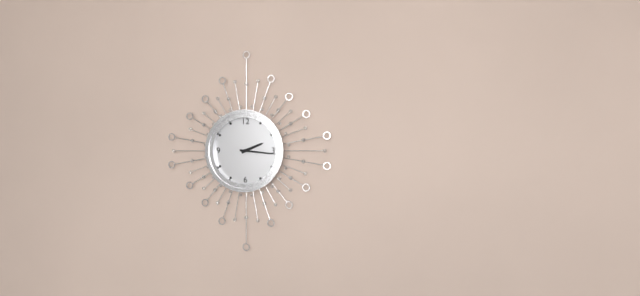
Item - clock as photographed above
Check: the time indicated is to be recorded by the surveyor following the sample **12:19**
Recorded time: **2:16**
